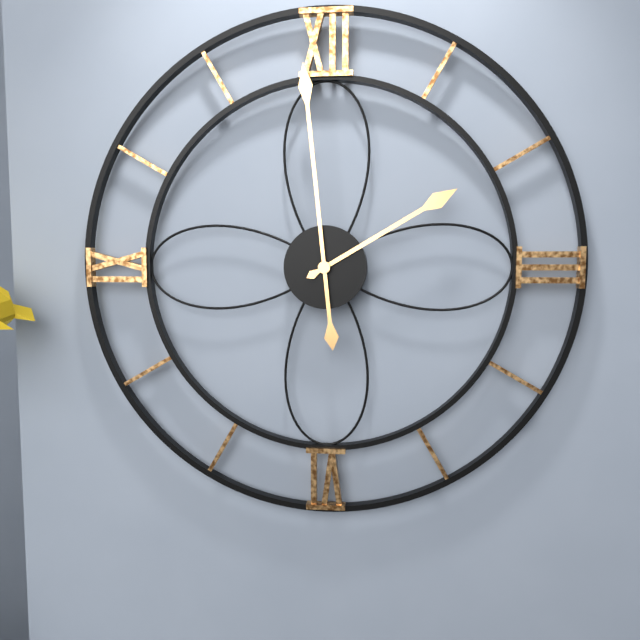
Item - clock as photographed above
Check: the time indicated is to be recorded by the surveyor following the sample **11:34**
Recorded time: **1:59**
